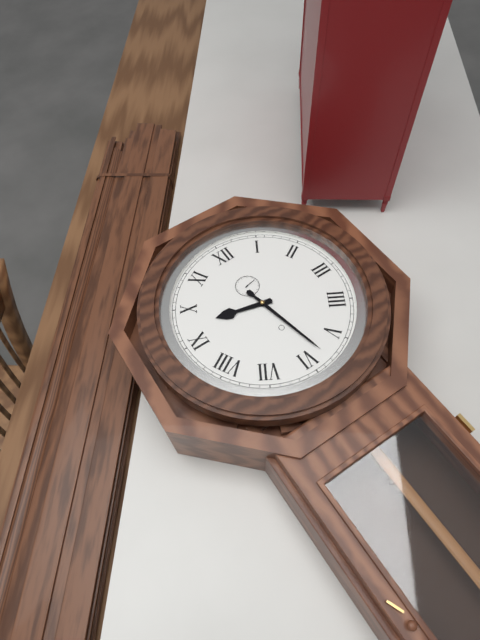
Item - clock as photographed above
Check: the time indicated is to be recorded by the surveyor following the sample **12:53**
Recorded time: **9:28**
